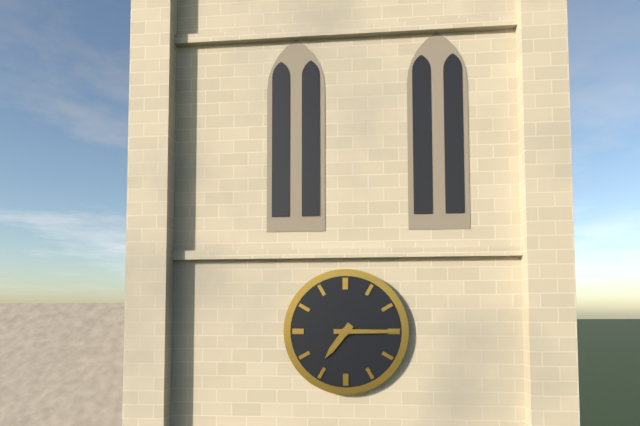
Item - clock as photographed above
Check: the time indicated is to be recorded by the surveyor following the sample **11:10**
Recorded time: **7:15**
